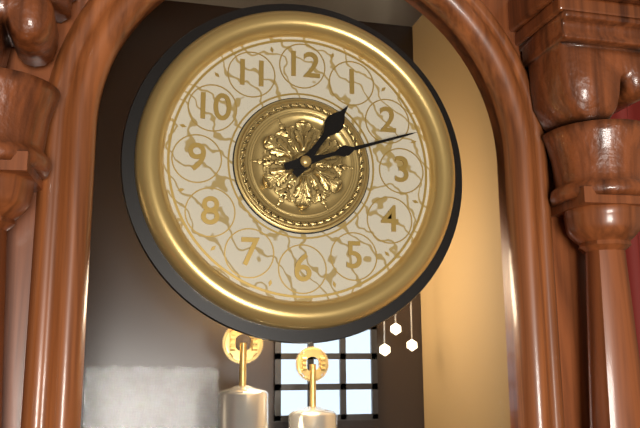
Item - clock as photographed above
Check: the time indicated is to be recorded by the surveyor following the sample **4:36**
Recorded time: **1:12**
